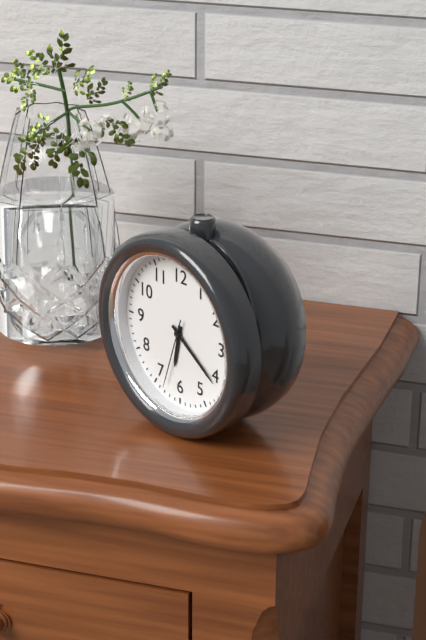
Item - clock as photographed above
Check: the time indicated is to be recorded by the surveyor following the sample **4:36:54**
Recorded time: **6:21:33**
